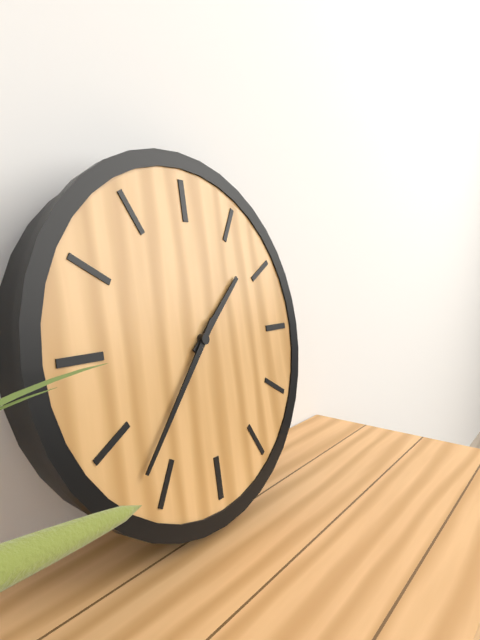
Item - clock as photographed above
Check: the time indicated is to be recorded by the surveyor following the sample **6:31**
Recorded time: **1:37**
